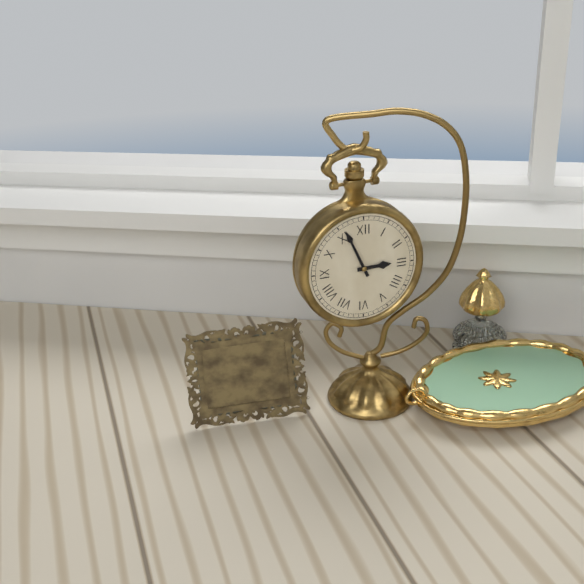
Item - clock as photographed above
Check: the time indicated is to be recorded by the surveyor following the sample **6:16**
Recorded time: **2:56**
